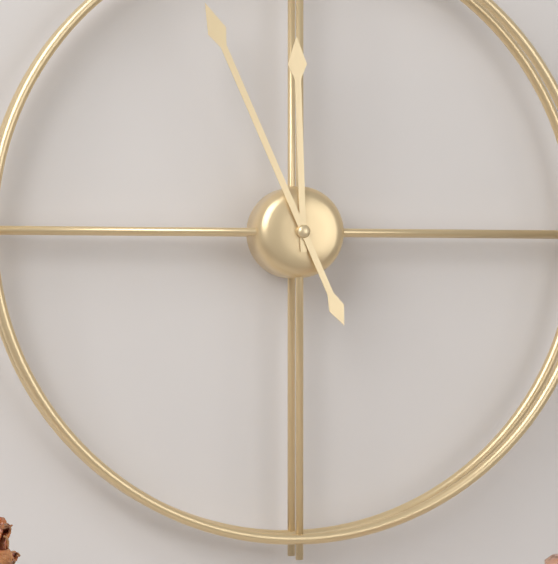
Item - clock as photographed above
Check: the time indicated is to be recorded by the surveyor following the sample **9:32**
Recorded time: **11:56**
